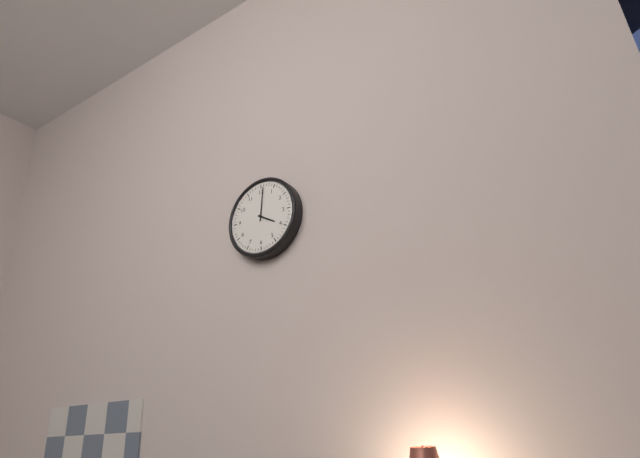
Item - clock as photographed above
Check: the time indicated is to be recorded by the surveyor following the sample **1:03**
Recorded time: **4:01**
